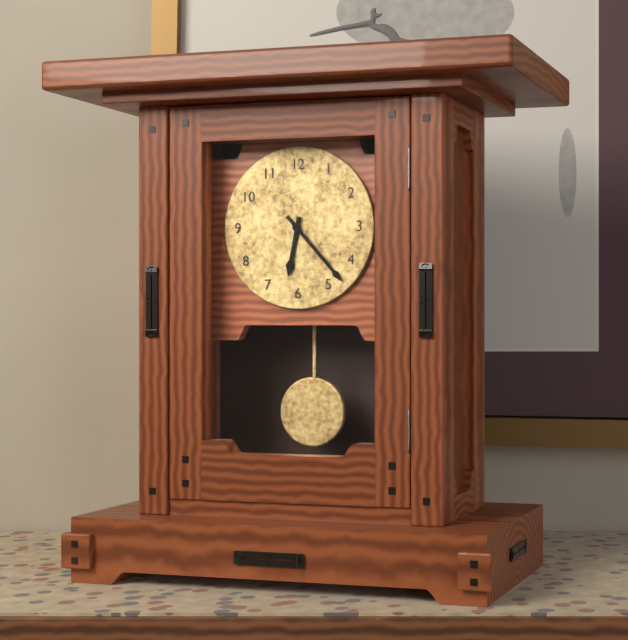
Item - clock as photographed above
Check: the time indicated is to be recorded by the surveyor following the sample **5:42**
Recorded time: **6:23**
